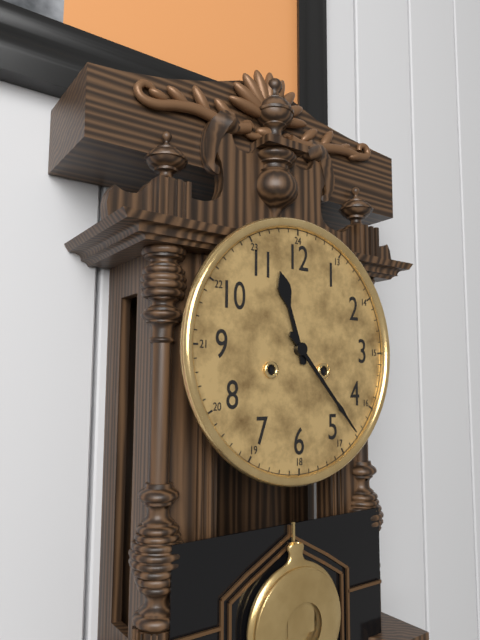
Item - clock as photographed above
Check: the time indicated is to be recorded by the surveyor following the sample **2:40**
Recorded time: **11:23**
